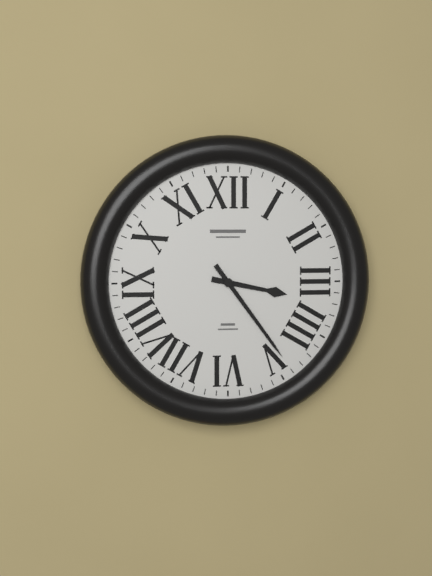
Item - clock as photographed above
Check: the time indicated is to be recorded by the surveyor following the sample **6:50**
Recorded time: **3:24**
